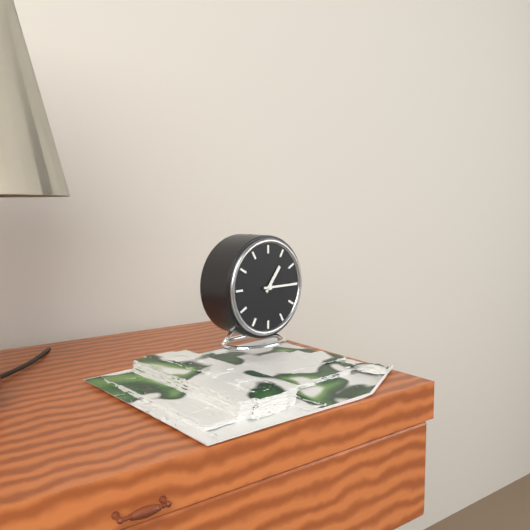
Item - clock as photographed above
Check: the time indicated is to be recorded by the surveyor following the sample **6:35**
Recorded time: **1:15**
